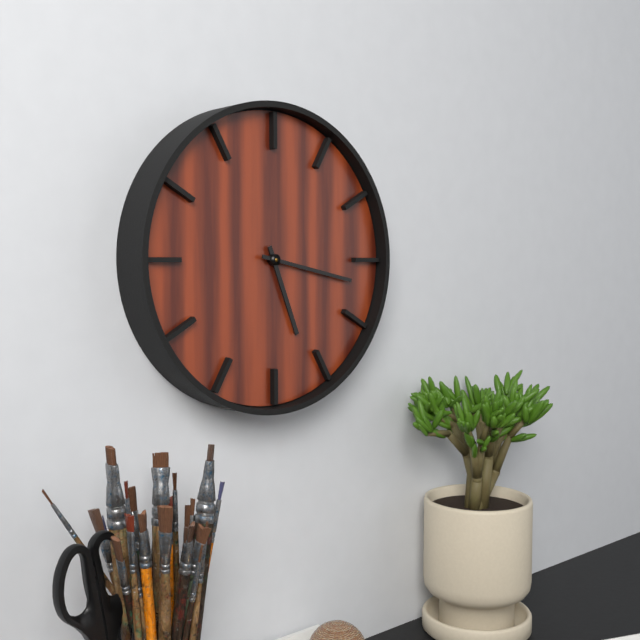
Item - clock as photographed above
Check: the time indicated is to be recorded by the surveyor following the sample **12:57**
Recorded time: **5:17**
